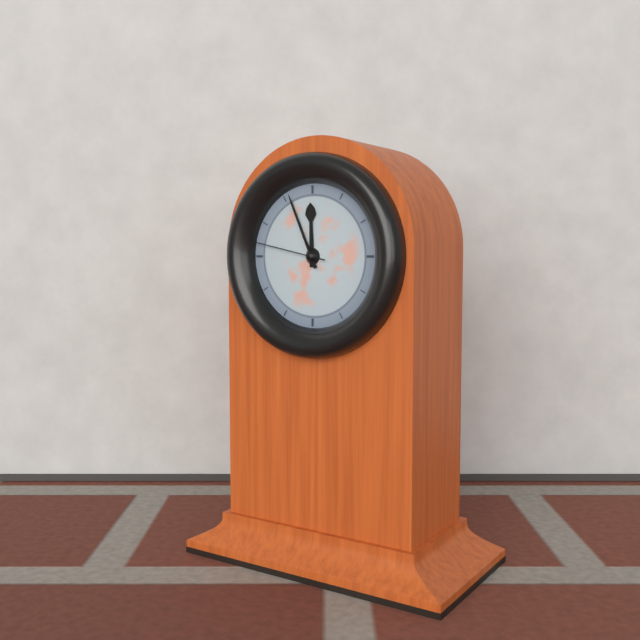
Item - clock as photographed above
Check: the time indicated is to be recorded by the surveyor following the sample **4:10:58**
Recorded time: **11:56:47**
